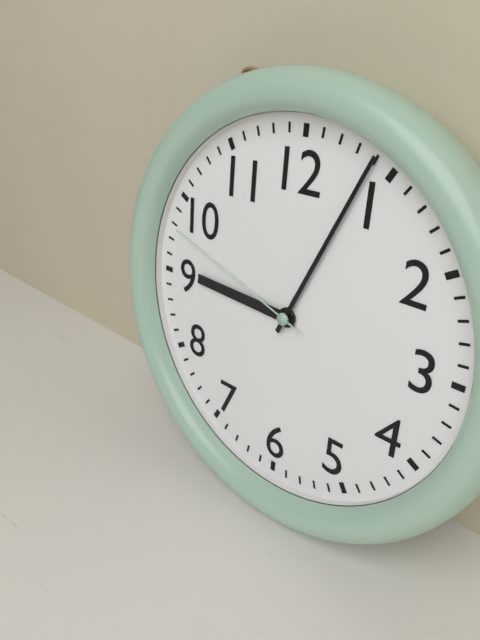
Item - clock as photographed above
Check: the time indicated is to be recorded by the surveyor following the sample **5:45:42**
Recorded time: **9:04:48**
